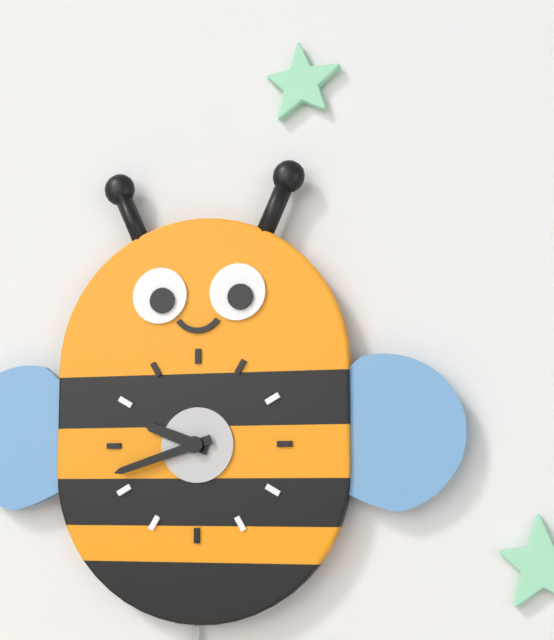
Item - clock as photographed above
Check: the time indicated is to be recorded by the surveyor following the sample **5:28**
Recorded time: **9:42**
